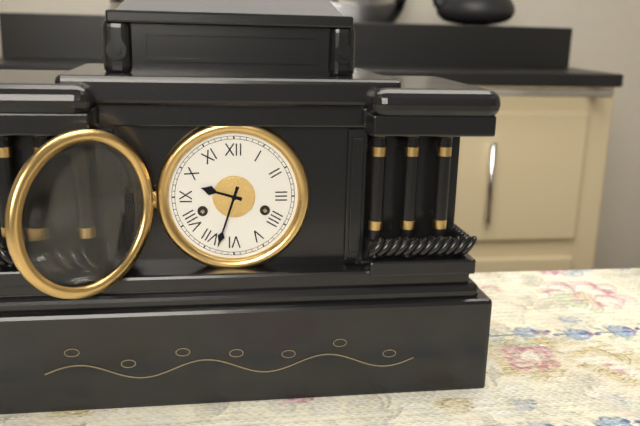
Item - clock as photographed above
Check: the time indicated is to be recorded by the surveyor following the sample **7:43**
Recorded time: **9:33**
